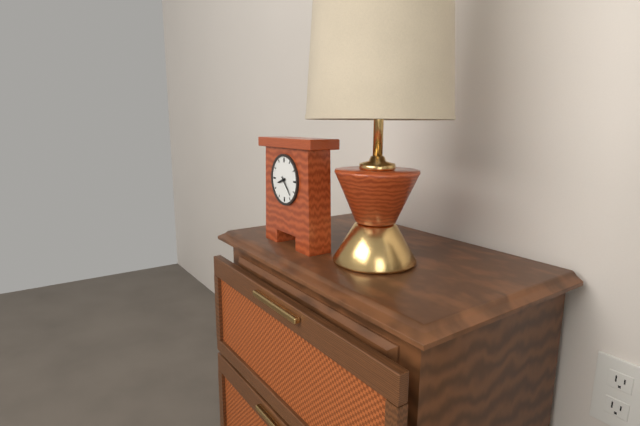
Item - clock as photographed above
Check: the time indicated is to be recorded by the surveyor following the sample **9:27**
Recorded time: **8:23**
